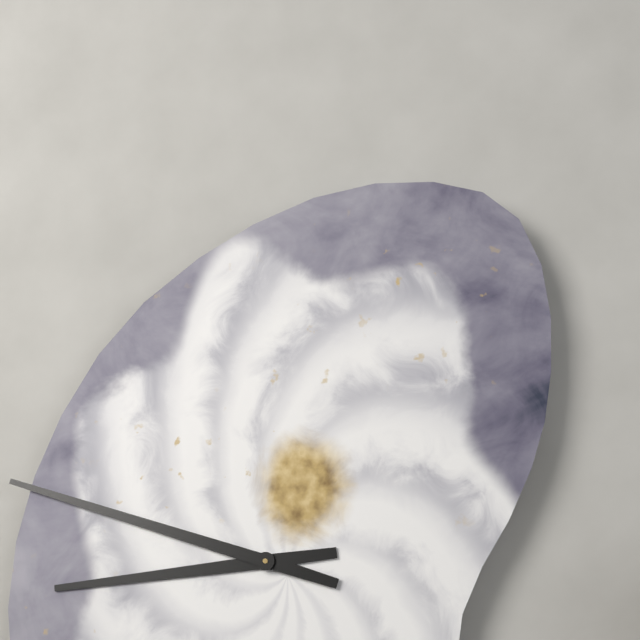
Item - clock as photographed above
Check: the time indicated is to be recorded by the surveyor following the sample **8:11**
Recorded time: **8:48**
